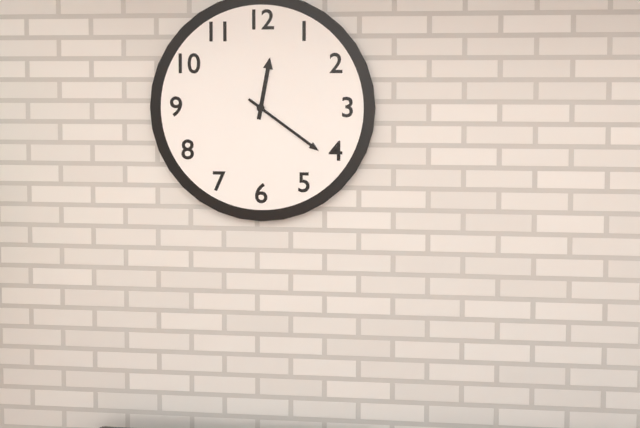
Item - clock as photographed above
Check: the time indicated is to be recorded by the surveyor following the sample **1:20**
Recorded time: **12:21**
